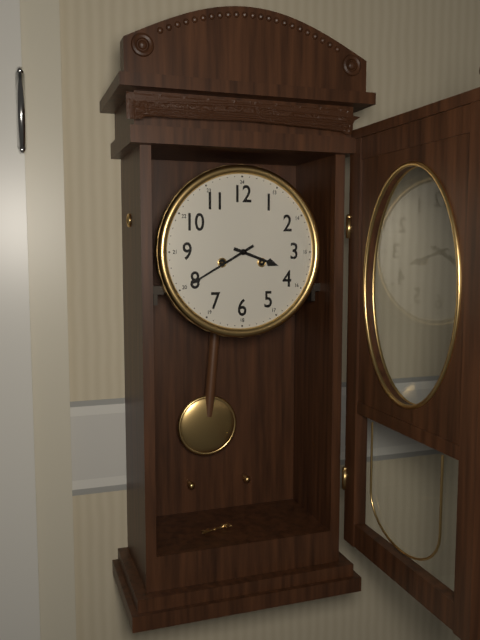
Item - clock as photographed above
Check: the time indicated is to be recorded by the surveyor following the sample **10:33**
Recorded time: **3:40**
